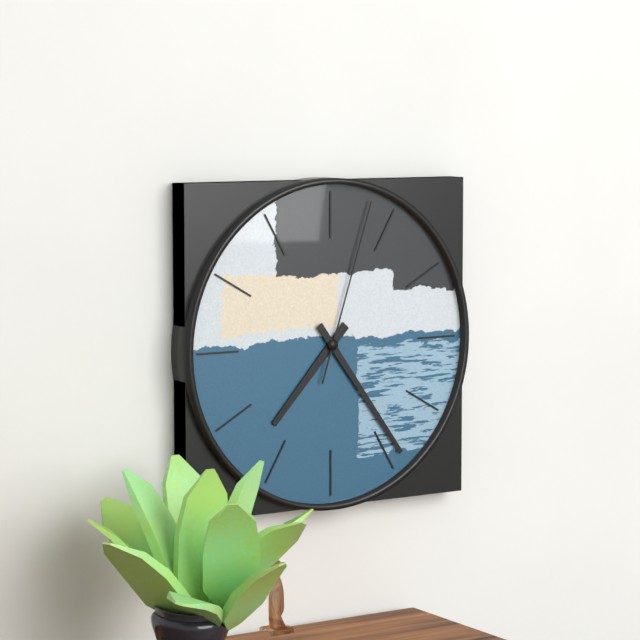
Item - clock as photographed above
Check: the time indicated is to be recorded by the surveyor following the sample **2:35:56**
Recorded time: **7:24:03**
